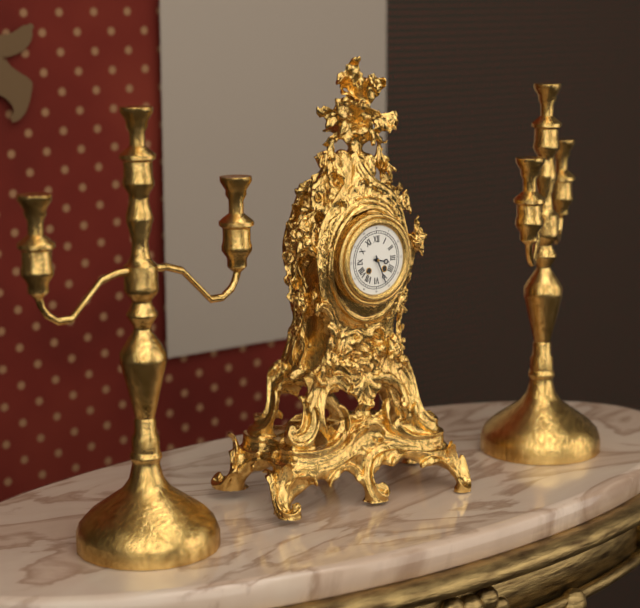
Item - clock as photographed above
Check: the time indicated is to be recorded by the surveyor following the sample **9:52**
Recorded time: **3:26**
